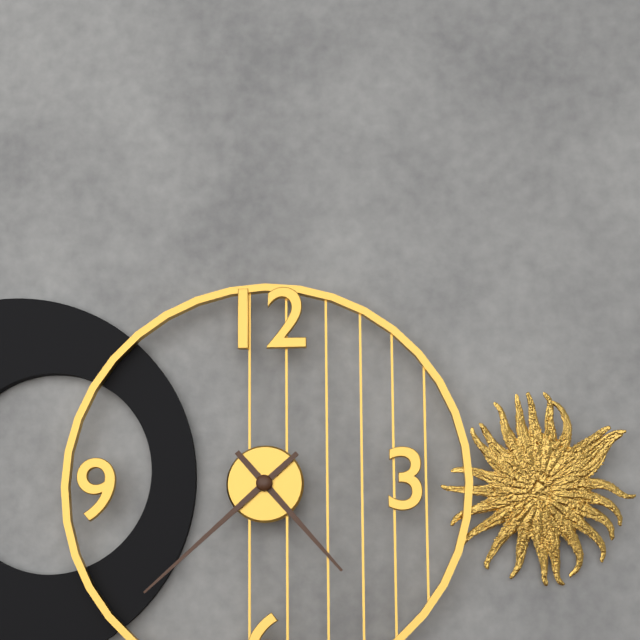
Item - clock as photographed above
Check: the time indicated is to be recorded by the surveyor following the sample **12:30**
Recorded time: **4:38**
